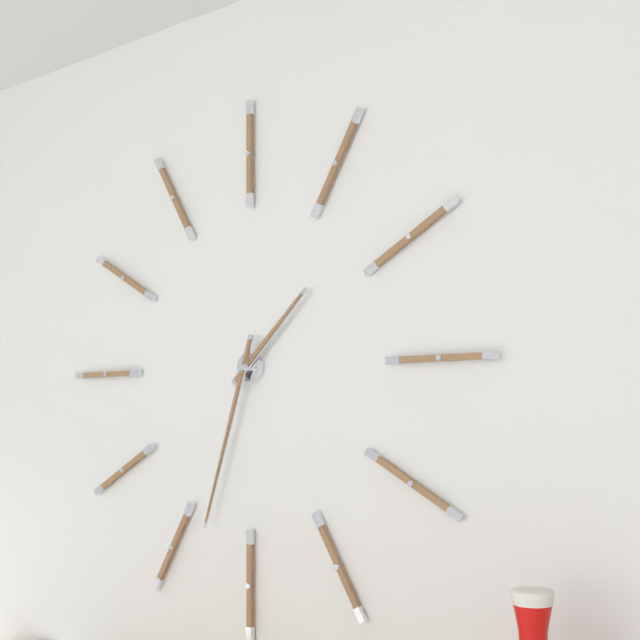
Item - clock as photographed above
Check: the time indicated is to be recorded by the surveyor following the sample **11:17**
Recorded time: **1:33**
